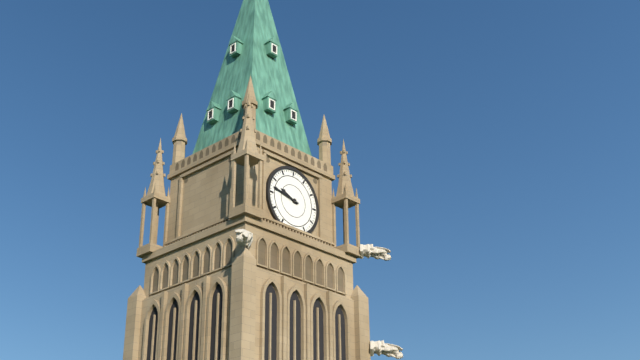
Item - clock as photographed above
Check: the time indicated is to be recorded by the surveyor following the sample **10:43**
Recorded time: **9:47**
